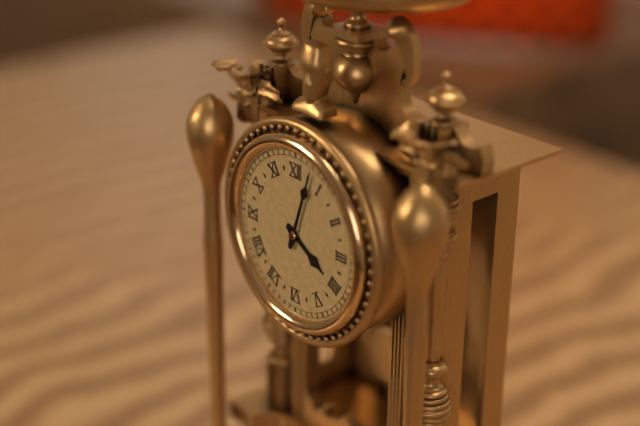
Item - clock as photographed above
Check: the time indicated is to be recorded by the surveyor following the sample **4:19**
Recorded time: **4:03**
